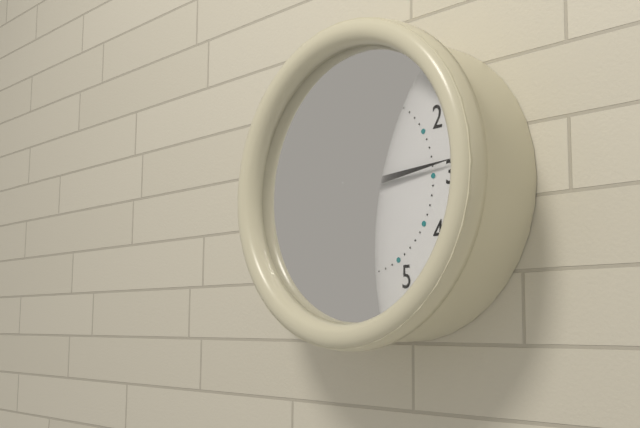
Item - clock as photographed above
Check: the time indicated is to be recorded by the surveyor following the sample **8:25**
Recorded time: **12:14**
